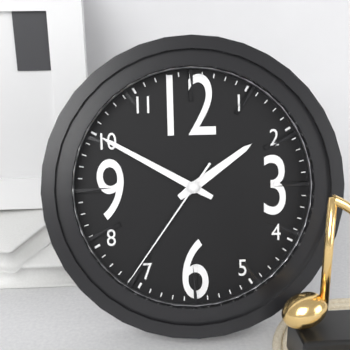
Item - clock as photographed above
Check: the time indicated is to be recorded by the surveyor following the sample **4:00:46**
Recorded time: **1:50:36**
